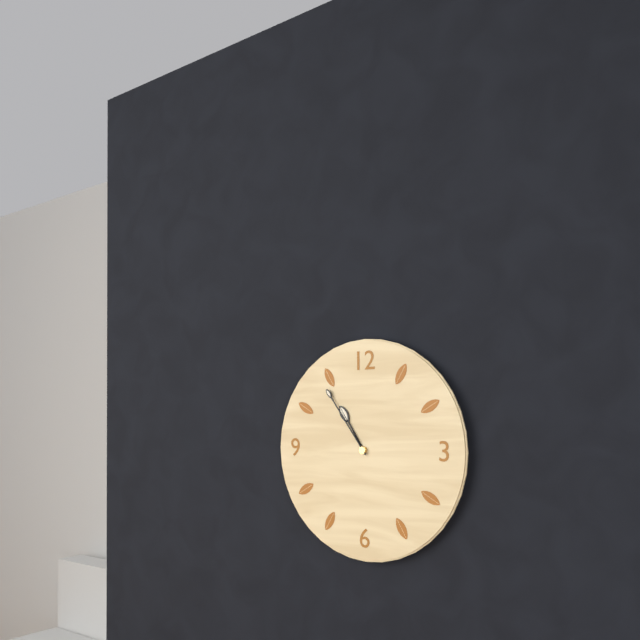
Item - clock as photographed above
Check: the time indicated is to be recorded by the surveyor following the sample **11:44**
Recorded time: **10:54**
